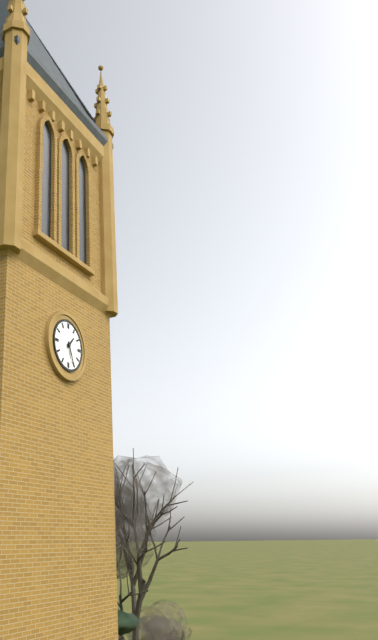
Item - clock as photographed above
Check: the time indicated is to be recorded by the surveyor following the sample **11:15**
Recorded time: **1:26**
